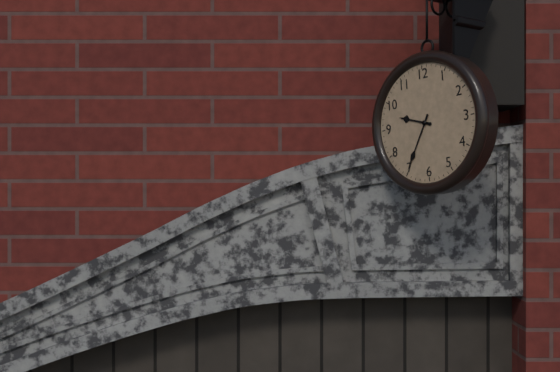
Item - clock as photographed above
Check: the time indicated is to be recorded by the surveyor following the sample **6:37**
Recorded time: **9:35**
